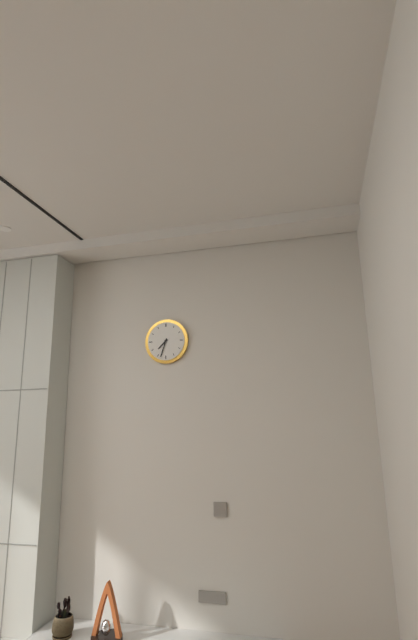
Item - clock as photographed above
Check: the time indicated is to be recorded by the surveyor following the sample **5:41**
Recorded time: **7:33**
